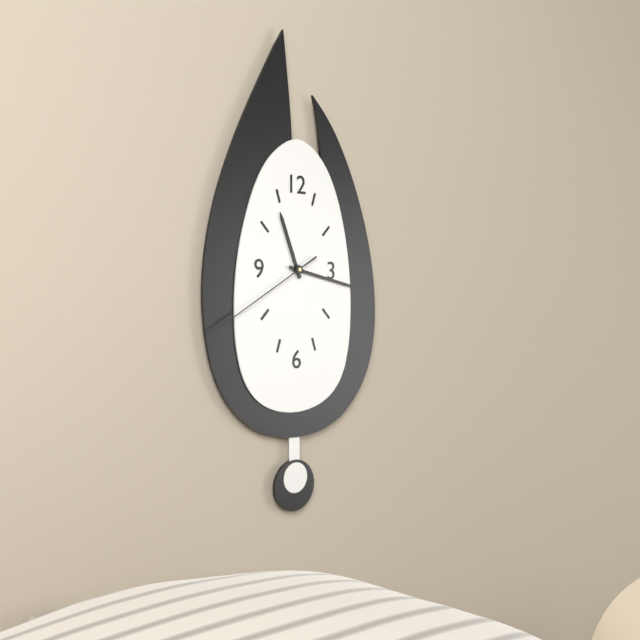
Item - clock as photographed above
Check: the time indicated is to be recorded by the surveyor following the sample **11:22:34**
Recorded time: **11:17:40**
